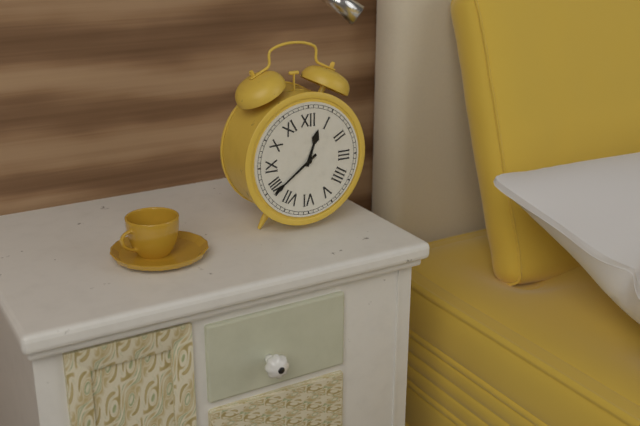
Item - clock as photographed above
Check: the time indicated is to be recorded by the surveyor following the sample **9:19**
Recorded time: **12:39**
